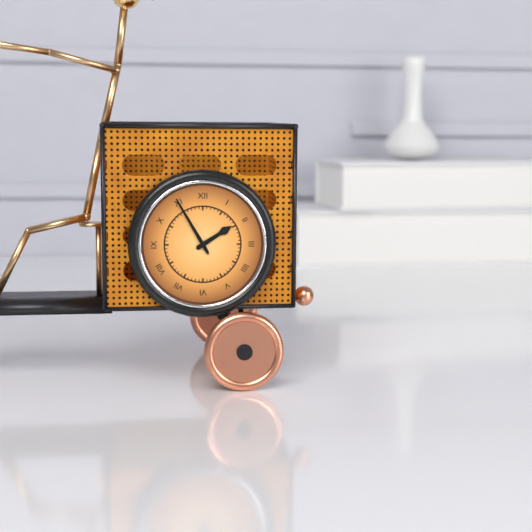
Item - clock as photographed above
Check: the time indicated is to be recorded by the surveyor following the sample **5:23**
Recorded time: **1:55**
